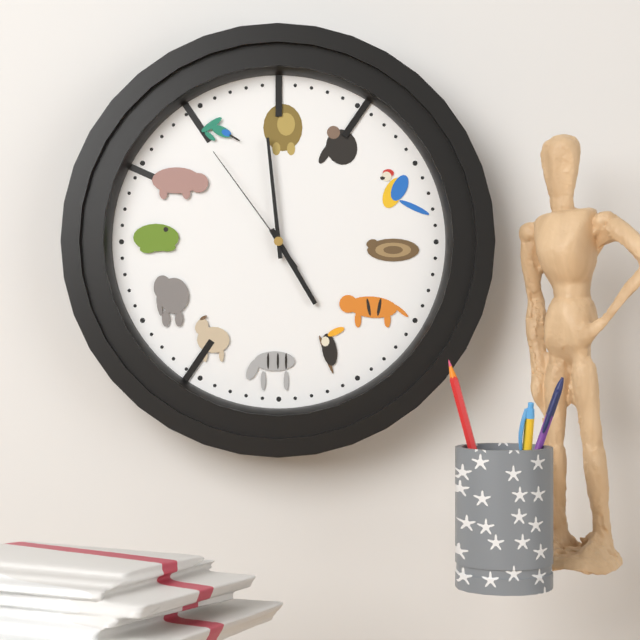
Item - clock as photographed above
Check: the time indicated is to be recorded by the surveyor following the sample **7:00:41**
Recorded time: **4:59:54**
